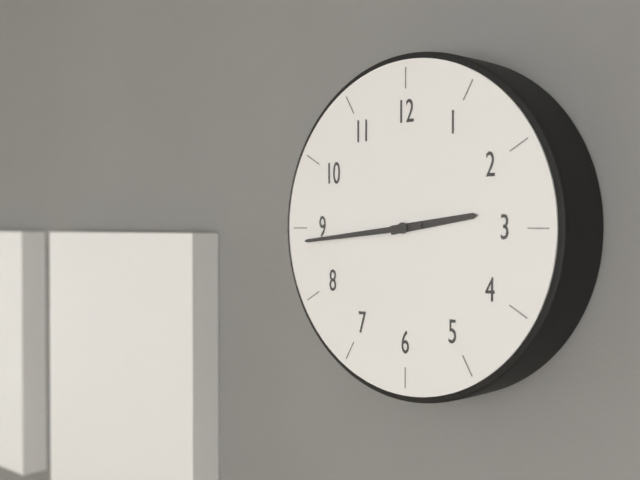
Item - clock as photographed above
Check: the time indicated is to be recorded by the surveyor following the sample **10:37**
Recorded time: **2:44**
